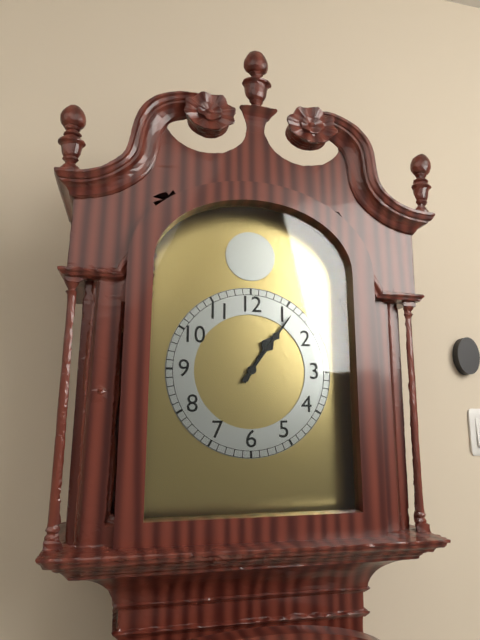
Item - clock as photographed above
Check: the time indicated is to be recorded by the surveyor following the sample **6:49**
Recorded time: **1:06**
